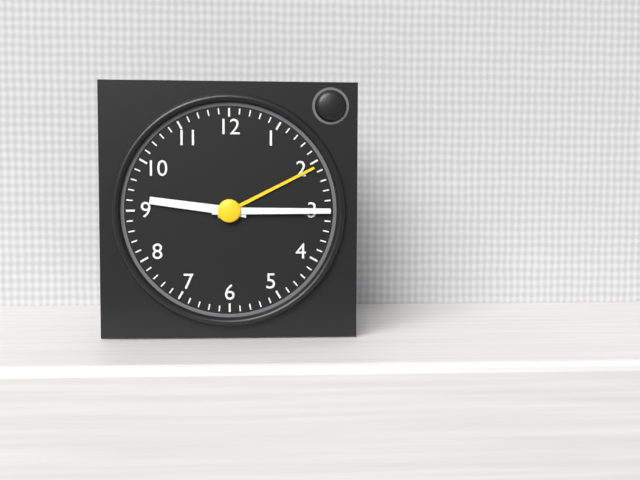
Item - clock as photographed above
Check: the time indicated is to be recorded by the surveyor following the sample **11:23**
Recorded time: **9:15**
